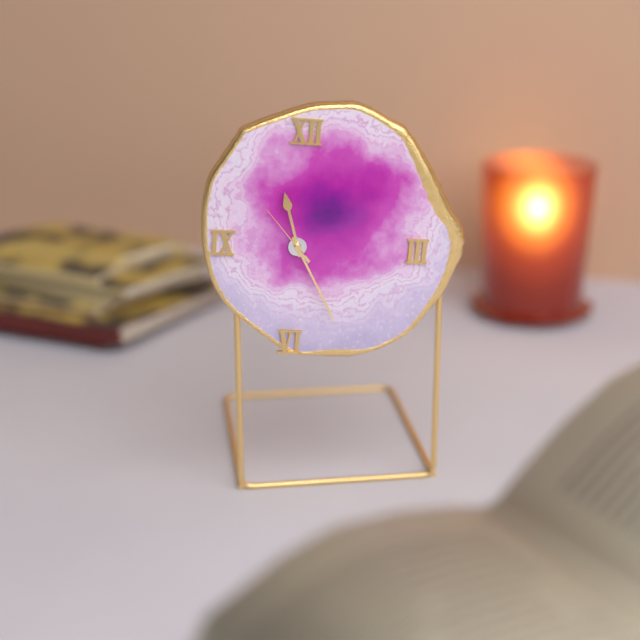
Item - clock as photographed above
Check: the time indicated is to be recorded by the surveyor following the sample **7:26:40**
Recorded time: **11:25:53**
